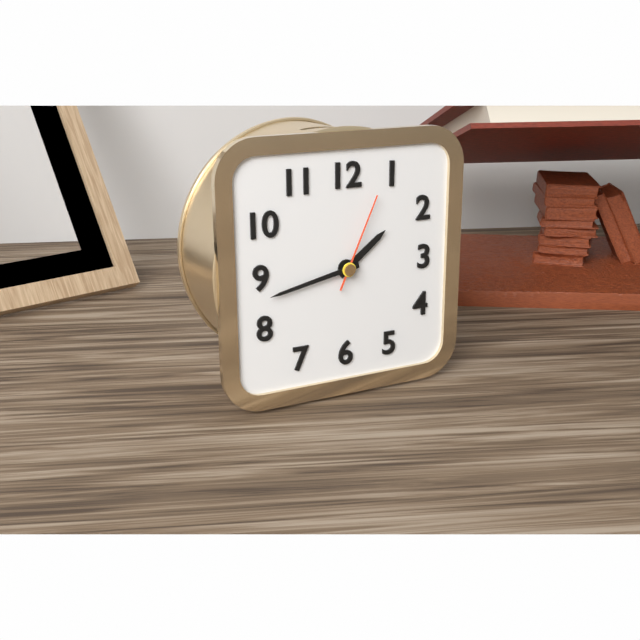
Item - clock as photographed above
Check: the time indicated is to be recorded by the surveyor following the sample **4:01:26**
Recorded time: **1:43:04**
